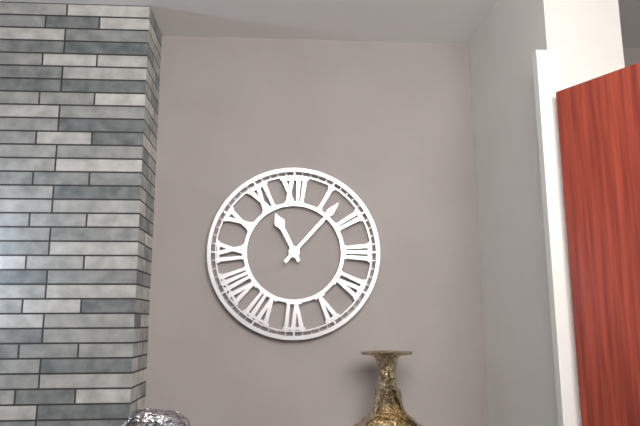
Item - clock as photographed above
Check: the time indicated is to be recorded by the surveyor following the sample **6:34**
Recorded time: **11:07**
